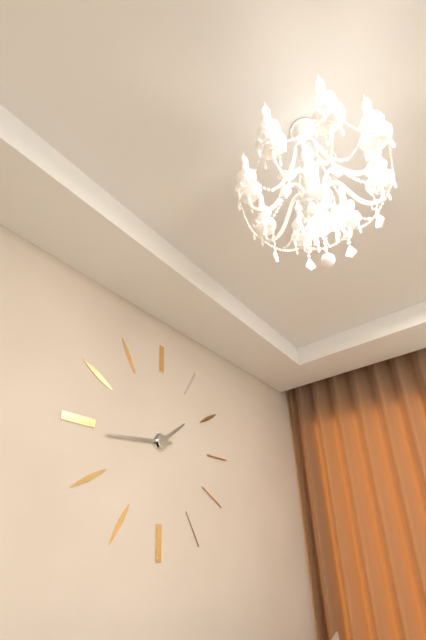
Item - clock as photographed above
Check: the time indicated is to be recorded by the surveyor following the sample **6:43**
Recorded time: **1:44**
